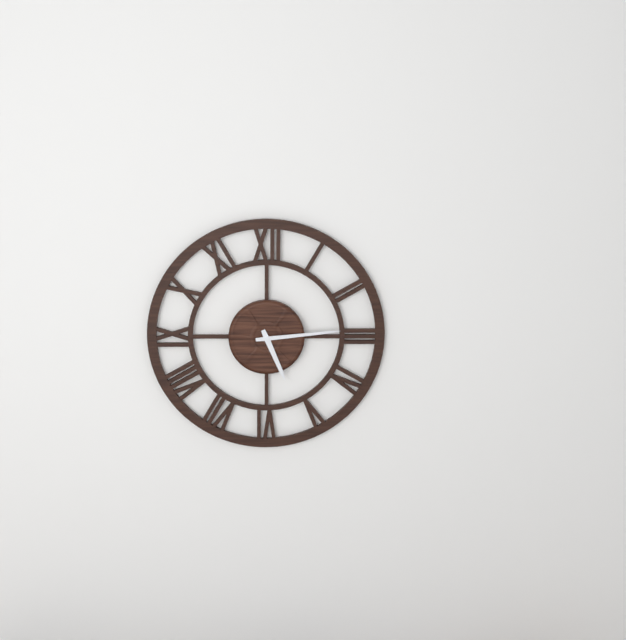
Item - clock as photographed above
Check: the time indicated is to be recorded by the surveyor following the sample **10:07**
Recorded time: **5:14**
